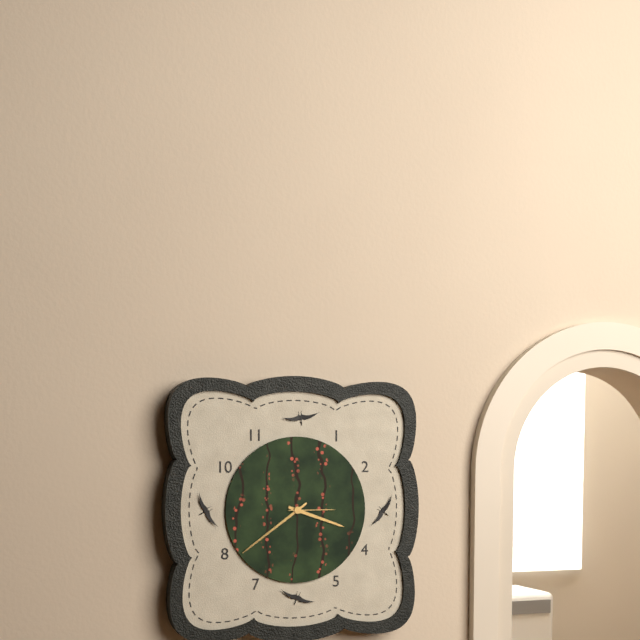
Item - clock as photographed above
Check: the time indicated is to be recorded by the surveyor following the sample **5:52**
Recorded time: **3:39**
